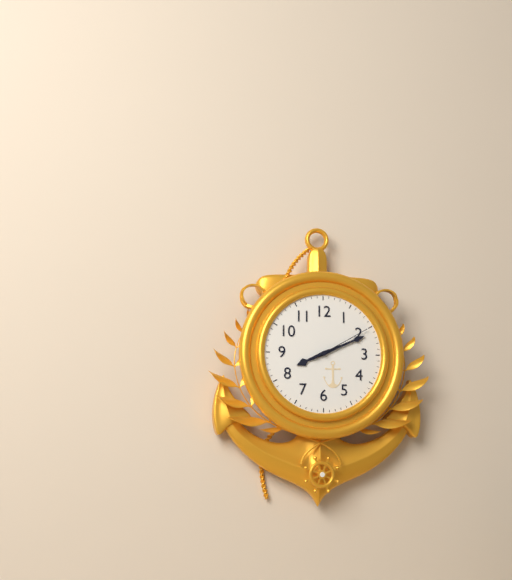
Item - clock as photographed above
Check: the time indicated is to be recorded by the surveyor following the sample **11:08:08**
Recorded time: **8:11:10**
